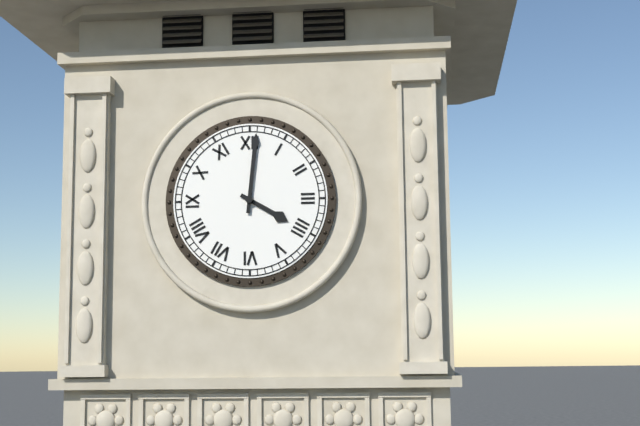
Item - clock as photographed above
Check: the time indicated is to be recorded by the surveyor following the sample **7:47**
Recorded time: **4:01**
